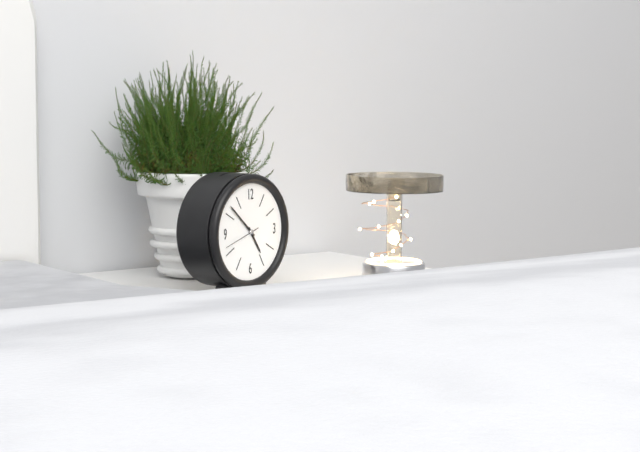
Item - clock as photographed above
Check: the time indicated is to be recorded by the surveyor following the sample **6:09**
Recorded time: **4:52**
